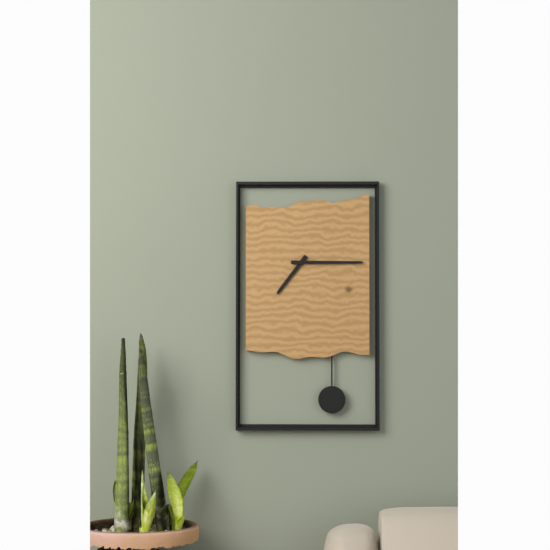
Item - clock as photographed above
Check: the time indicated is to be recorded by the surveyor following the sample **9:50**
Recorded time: **7:15**
